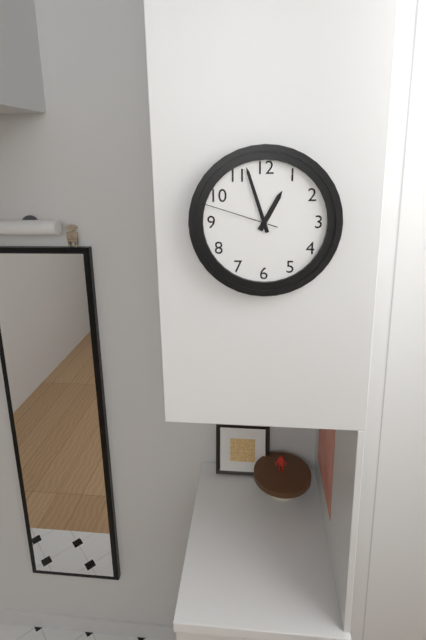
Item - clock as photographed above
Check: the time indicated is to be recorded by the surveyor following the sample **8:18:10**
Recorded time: **12:57:48**
